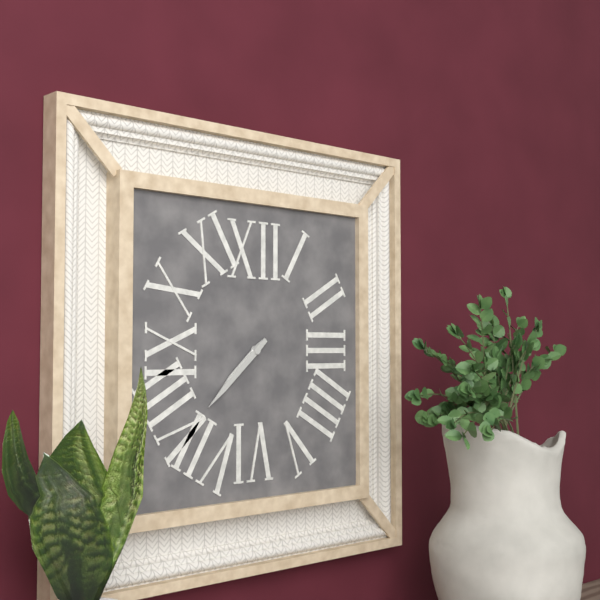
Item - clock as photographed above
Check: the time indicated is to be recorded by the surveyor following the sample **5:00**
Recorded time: **7:38**
